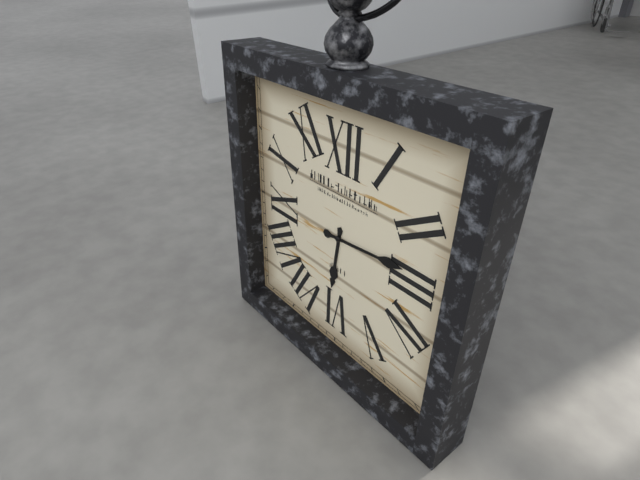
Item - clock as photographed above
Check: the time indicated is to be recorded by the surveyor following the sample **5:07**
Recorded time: **6:14**
